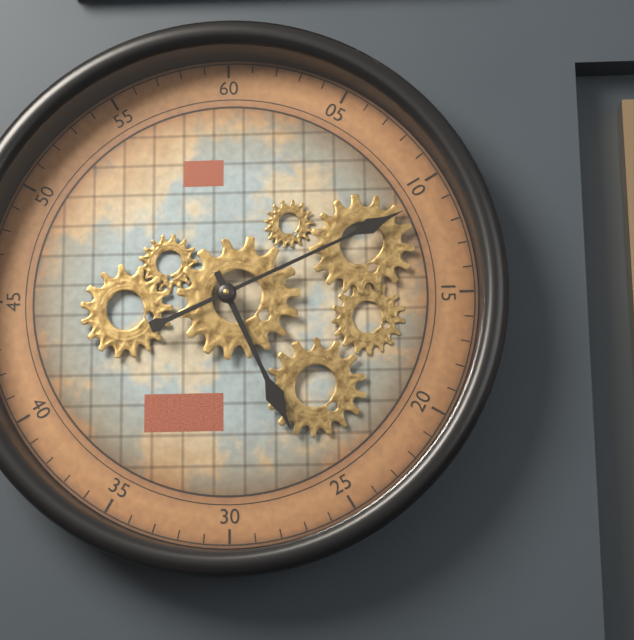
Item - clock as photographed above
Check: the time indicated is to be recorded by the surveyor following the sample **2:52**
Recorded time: **5:11**
